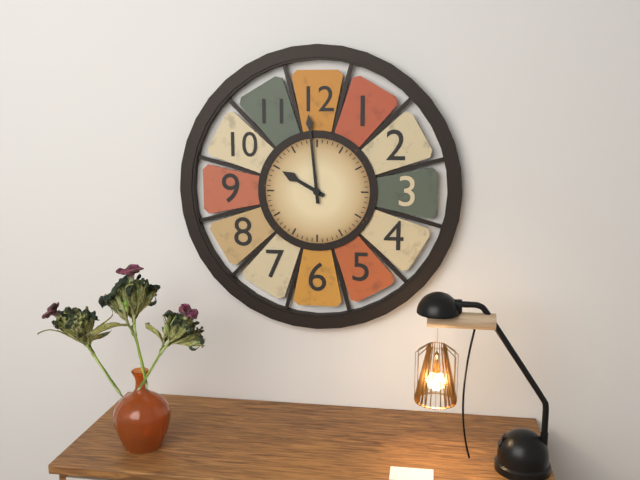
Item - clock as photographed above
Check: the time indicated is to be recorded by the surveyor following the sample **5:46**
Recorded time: **9:59**
